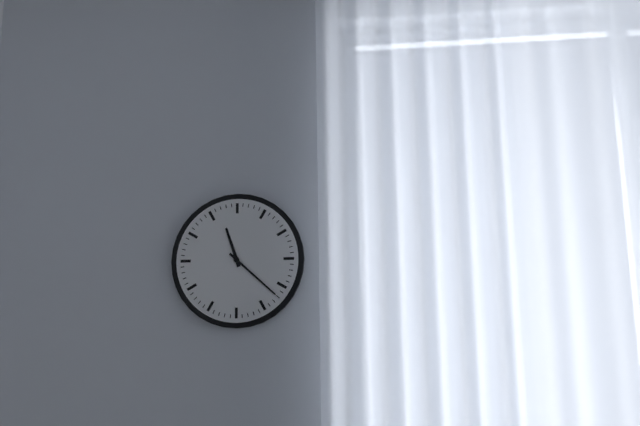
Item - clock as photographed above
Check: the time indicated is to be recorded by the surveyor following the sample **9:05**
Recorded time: **11:22**
